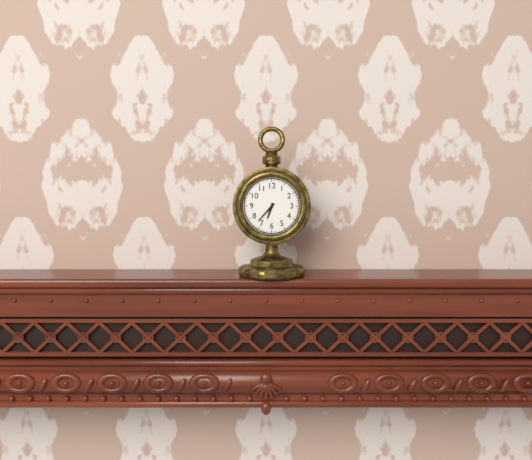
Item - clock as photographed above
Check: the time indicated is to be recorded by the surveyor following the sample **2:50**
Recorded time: **6:37**
